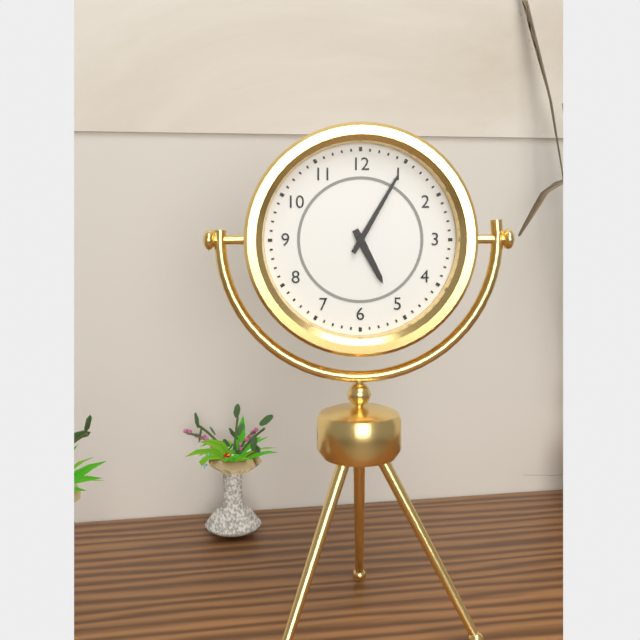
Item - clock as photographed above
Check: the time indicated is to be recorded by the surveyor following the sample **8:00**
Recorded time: **5:05**
